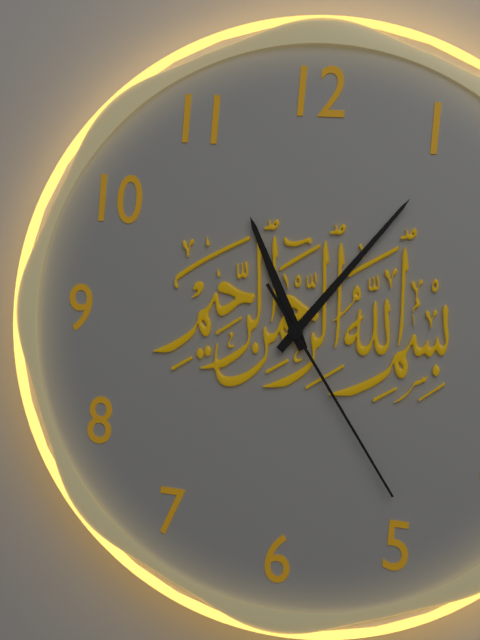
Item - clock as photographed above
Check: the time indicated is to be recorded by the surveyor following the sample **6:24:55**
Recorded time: **11:06:24**
